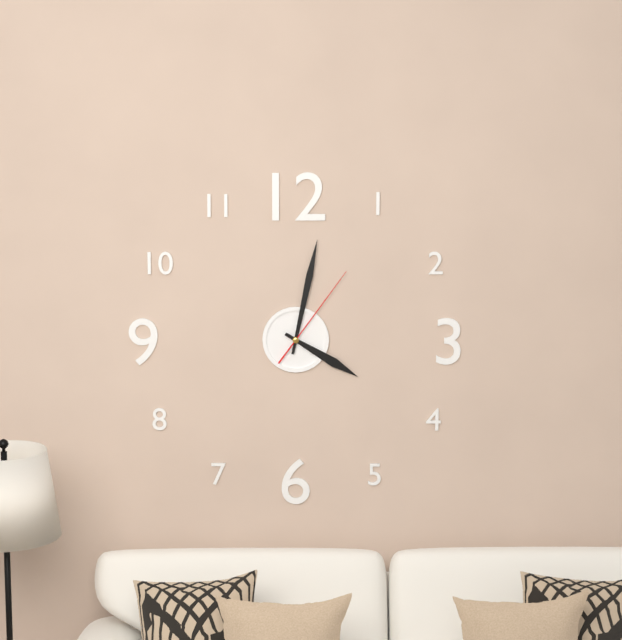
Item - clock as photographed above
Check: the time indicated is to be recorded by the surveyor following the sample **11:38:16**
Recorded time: **4:02:06**
